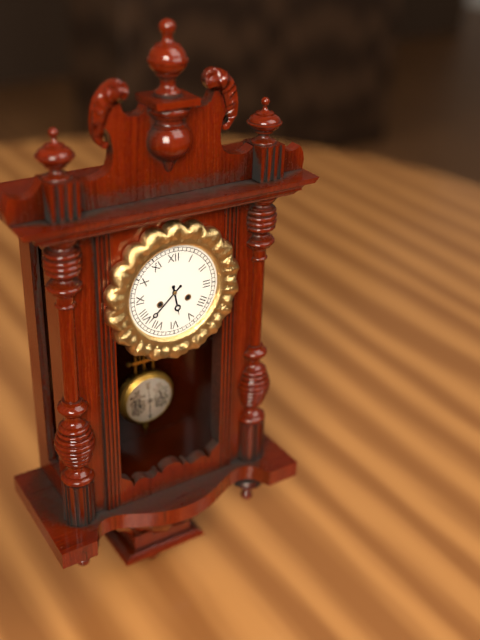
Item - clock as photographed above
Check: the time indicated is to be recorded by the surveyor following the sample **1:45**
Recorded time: **5:38**
